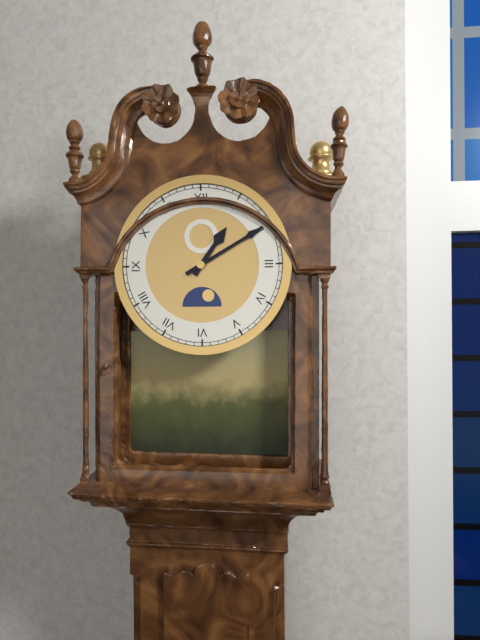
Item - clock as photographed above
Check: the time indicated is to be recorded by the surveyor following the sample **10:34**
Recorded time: **1:10**
